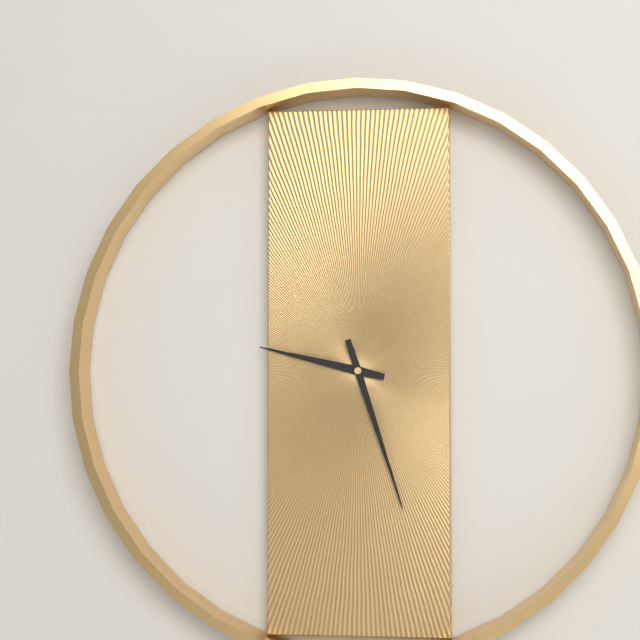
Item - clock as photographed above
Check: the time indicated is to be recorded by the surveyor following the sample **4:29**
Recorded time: **9:27**
